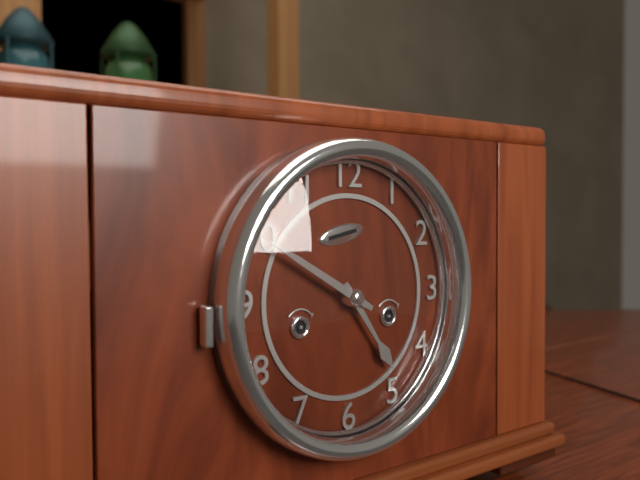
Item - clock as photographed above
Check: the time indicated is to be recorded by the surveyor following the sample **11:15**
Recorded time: **4:50**
